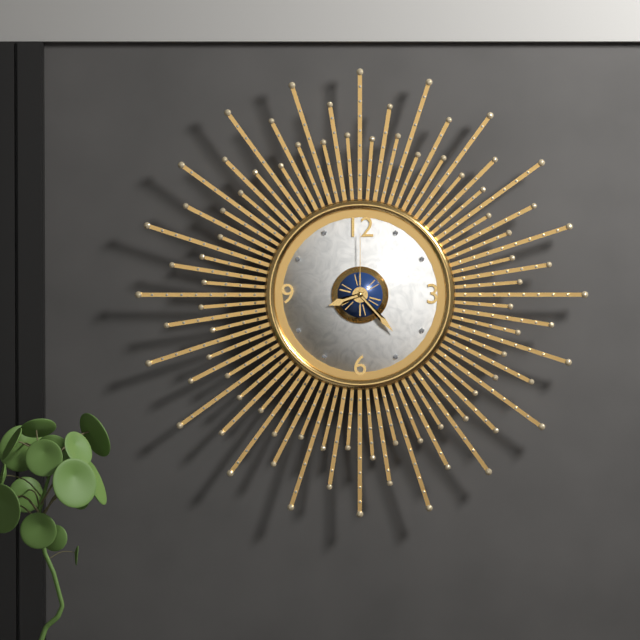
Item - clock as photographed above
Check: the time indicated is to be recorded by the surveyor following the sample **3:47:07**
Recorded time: **8:23:00**
